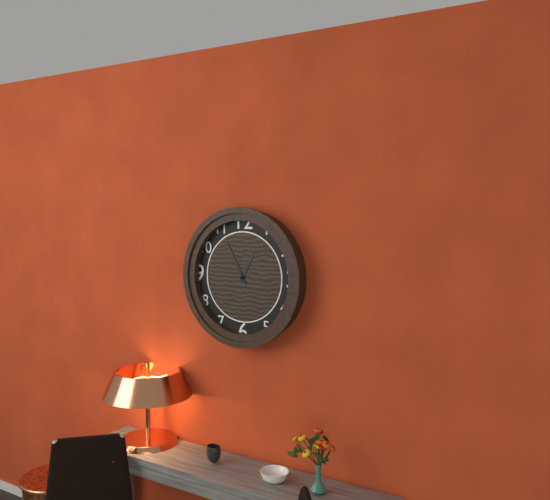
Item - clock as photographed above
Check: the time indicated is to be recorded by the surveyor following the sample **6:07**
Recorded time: **12:55**
